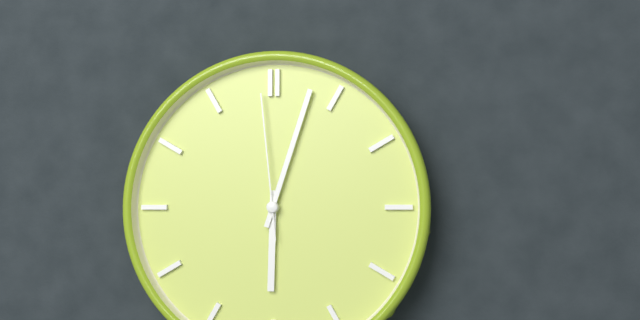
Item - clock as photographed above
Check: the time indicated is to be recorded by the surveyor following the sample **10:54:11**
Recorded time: **6:03:59**
